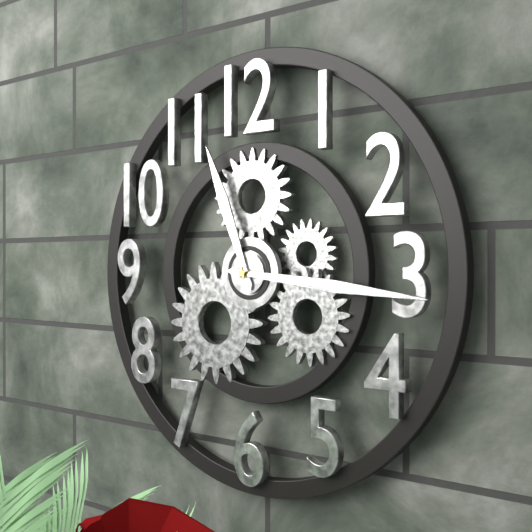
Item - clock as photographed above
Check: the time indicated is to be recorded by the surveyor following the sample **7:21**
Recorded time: **11:16**
